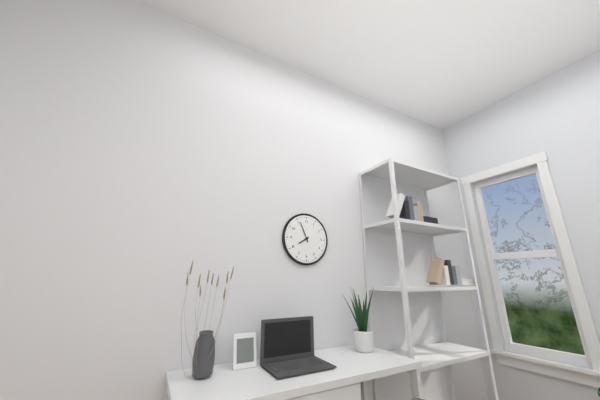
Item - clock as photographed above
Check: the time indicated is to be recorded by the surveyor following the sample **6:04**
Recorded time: **7:56**
